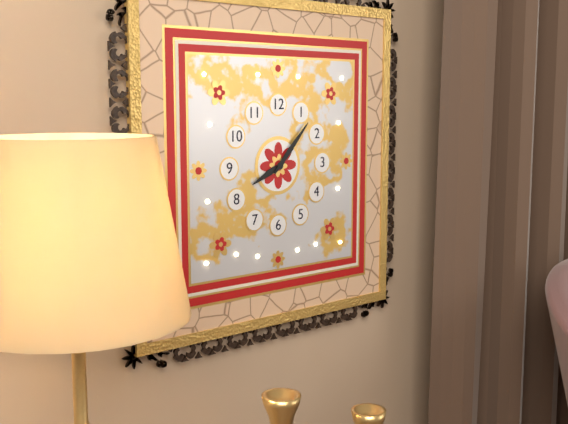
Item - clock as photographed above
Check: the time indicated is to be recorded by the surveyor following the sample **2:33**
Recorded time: **8:07**
